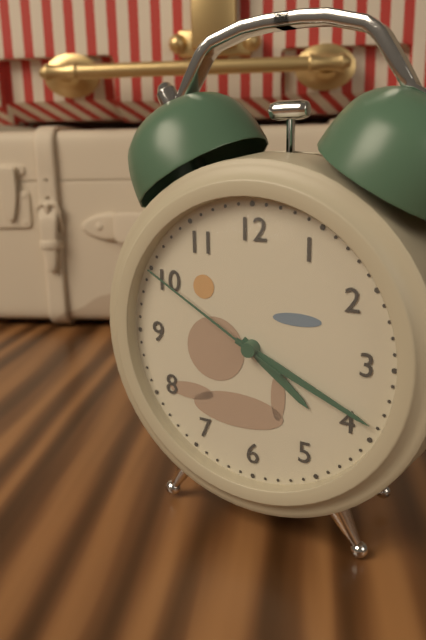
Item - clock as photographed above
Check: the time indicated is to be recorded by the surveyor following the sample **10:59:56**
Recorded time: **4:19:50**
